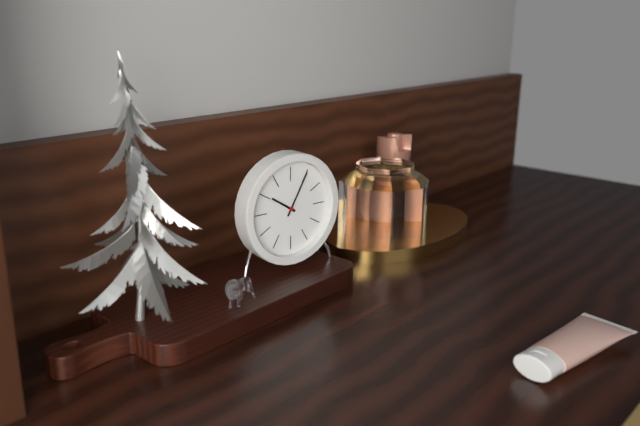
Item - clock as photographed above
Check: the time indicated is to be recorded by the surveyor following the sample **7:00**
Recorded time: **10:05**
